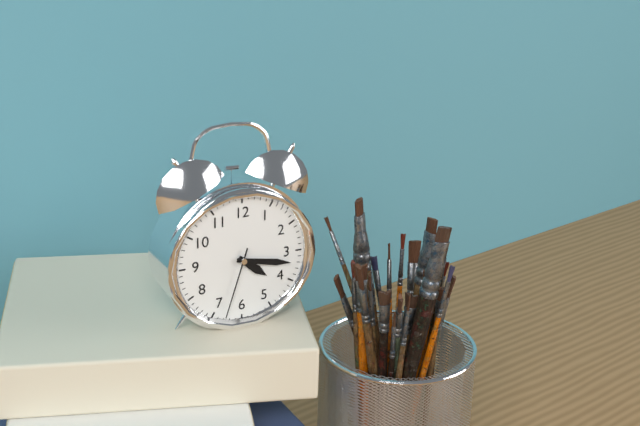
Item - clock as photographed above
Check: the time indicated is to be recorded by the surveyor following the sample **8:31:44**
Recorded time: **4:17:33**
